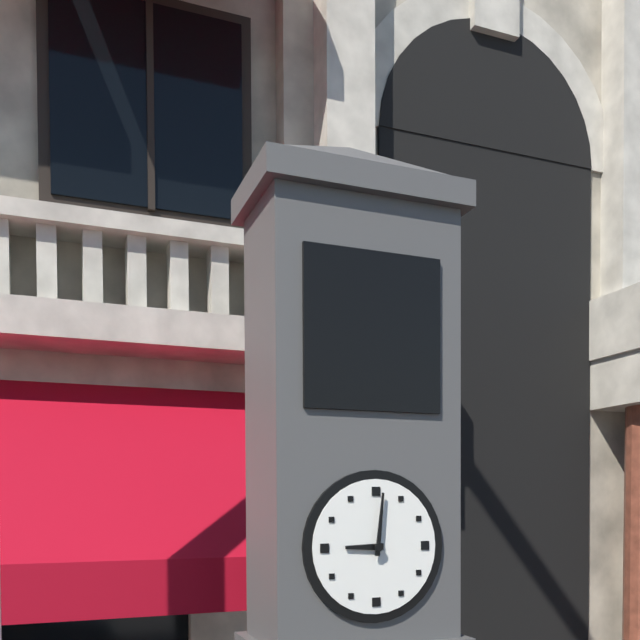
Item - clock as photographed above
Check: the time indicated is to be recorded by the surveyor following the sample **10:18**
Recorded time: **9:01**
